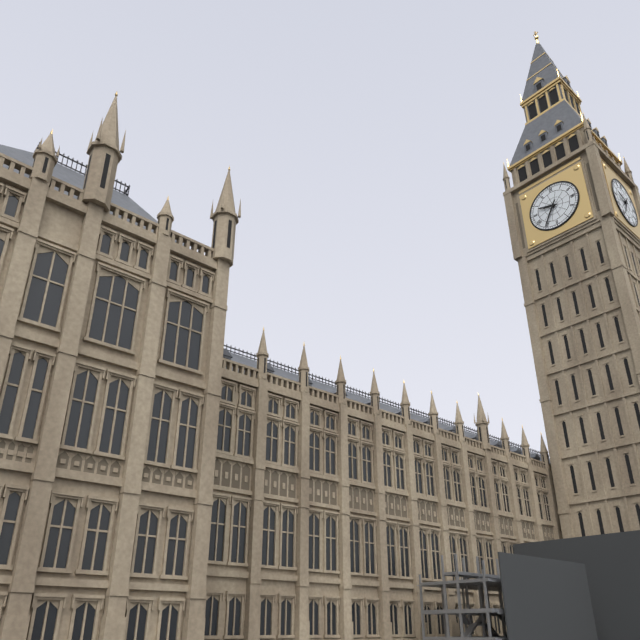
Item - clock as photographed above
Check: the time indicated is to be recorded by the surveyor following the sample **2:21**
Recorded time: **9:35**
